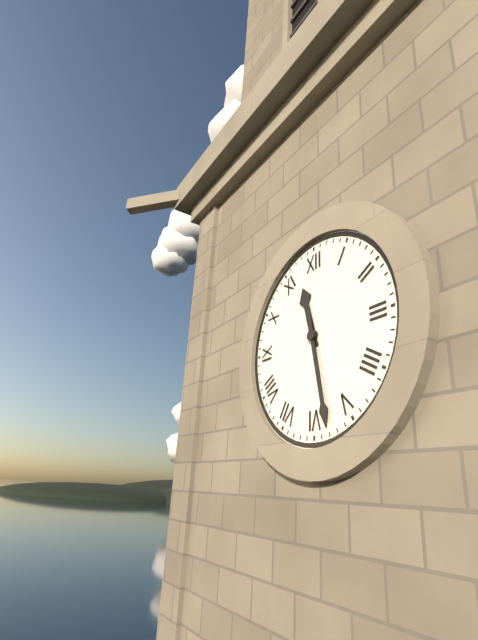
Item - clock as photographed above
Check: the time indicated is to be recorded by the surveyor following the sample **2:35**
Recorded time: **11:28**
